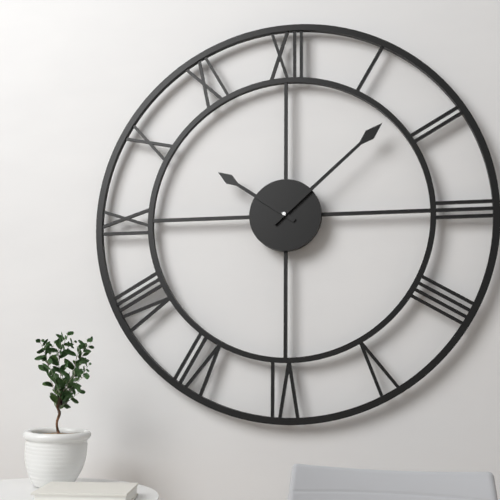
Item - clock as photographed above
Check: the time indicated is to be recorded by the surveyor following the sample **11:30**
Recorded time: **10:08**
